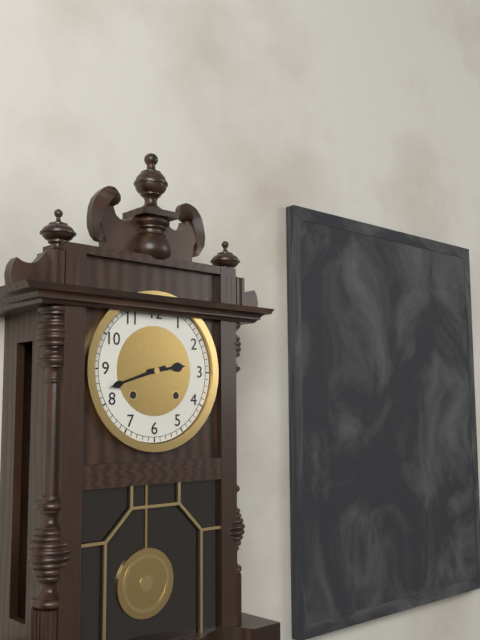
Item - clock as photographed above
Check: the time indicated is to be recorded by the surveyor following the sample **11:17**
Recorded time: **2:42**
